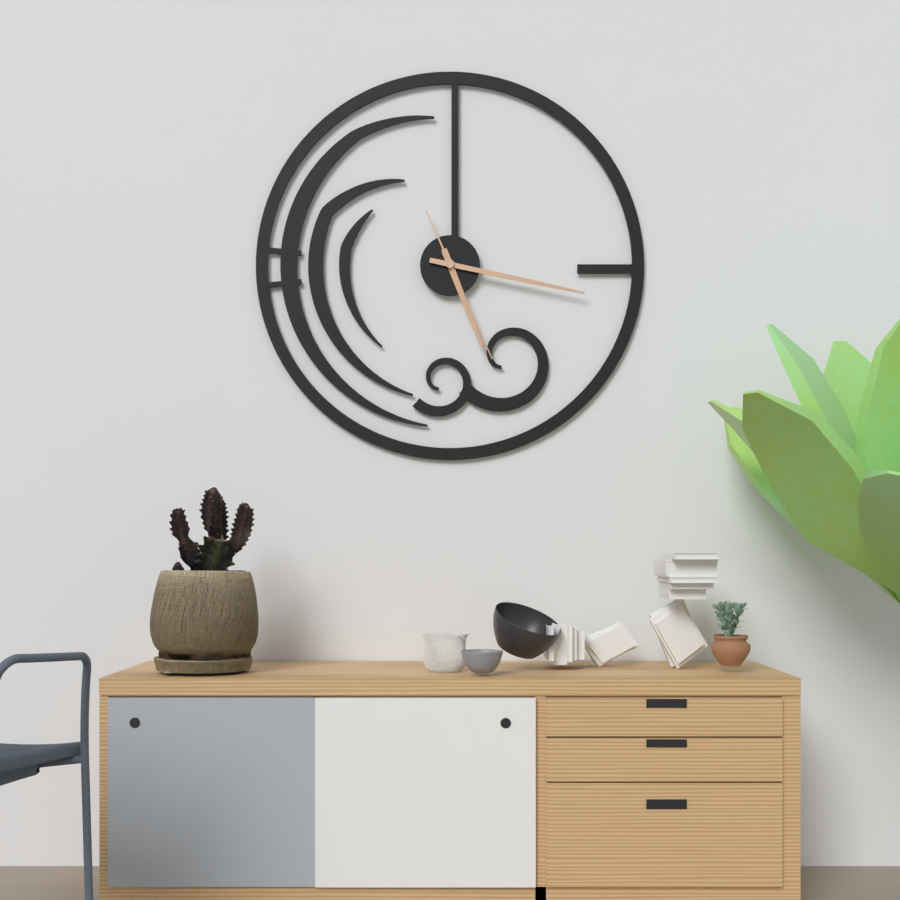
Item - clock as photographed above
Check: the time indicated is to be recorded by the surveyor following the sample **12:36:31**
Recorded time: **5:17:26**
